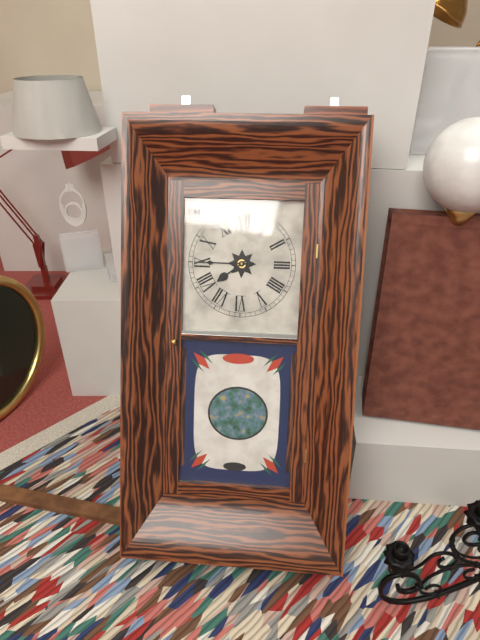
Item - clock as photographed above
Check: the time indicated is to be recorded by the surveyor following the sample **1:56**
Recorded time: **7:45**
